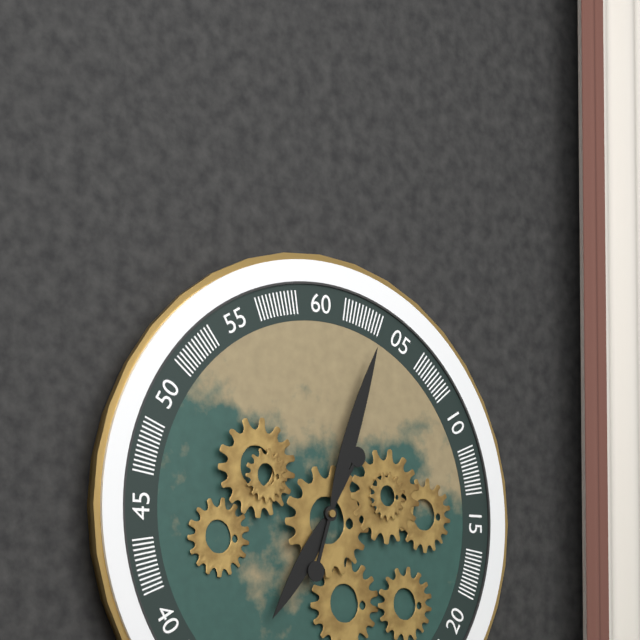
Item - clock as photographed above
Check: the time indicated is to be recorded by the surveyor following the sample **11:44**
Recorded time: **7:03**
